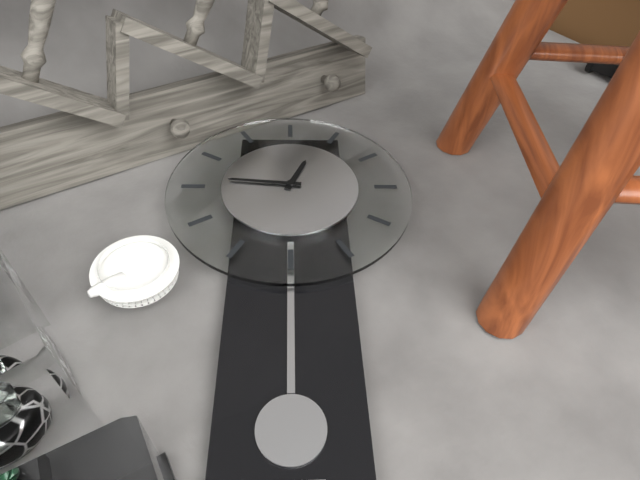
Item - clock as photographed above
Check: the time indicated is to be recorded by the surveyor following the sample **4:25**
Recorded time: **12:46**
